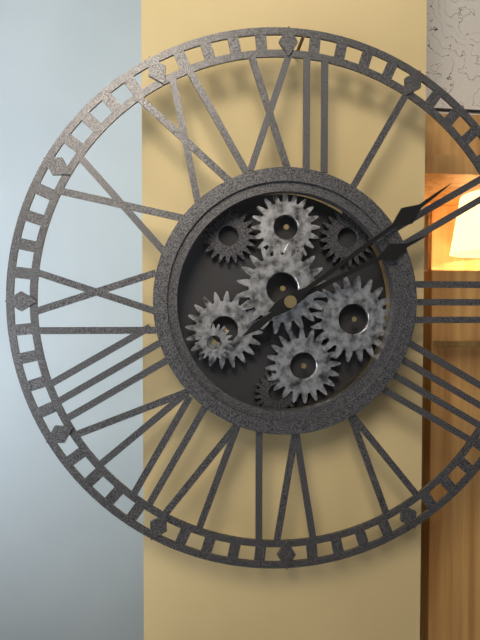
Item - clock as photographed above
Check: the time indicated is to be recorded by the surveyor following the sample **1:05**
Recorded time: **2:09**
